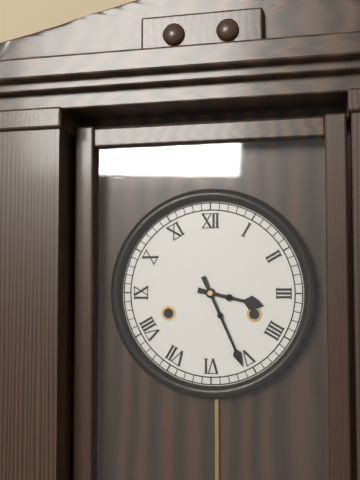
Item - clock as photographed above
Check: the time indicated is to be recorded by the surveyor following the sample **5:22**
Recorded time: **3:26**
